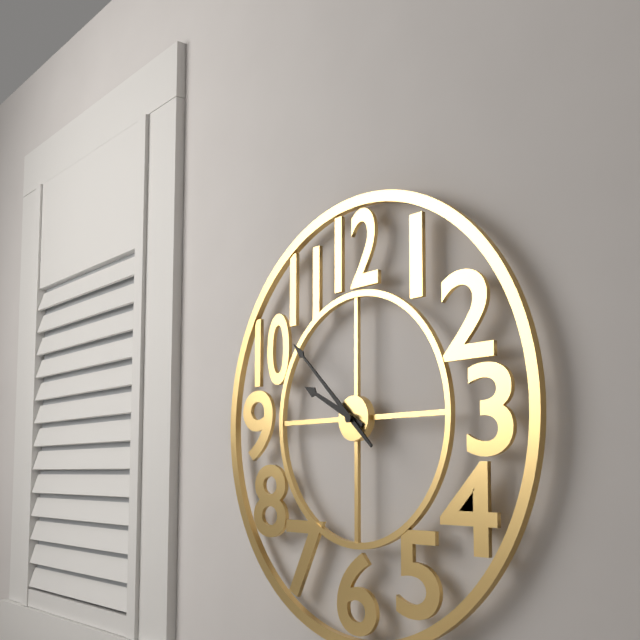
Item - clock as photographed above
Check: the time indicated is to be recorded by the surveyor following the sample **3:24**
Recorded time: **9:52**
